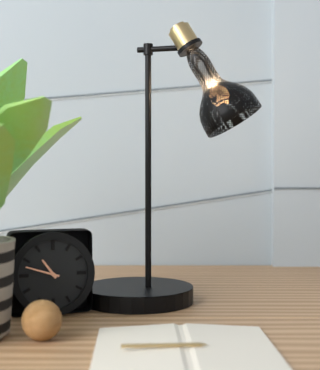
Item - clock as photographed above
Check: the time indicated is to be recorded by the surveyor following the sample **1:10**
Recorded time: **10:48**
